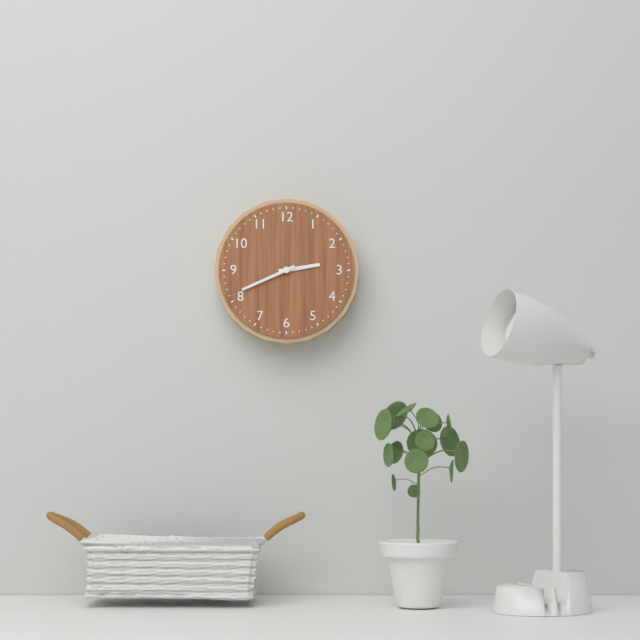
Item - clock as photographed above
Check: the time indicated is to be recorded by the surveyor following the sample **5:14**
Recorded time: **2:41**
